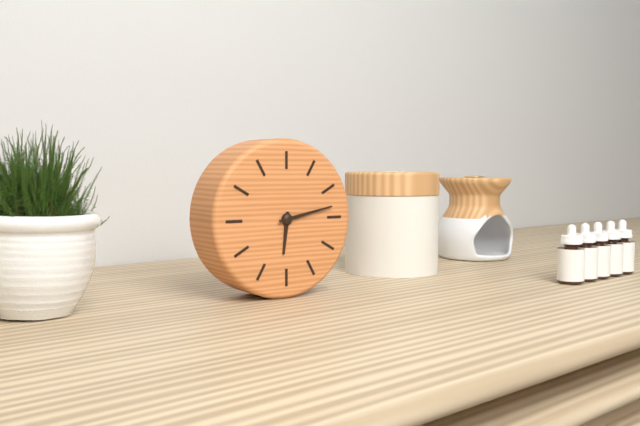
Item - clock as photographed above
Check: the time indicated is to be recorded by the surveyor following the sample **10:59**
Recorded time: **6:13**
